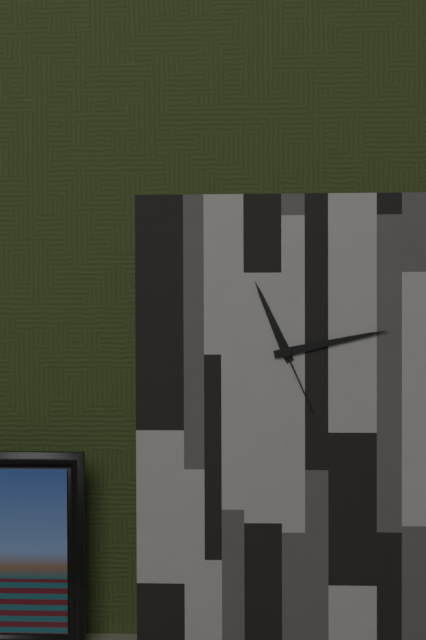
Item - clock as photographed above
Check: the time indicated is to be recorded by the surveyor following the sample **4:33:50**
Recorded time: **11:13:26**
